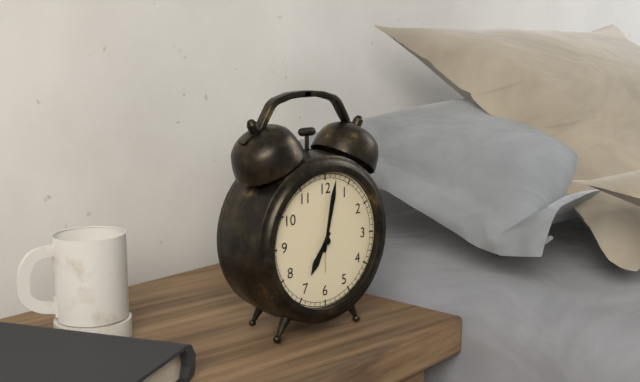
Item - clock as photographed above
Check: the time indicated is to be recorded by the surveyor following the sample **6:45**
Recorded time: **7:02**
